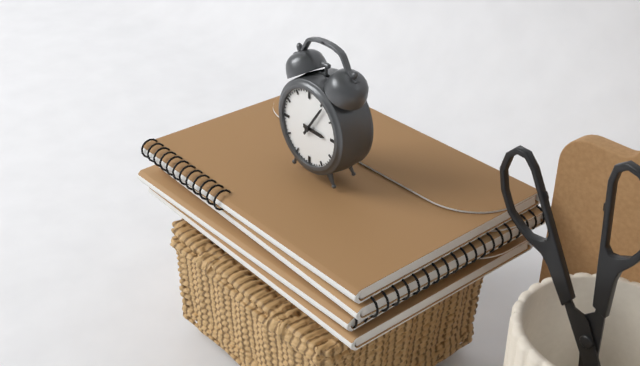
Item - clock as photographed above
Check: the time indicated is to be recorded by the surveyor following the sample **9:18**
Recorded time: **3:06**
